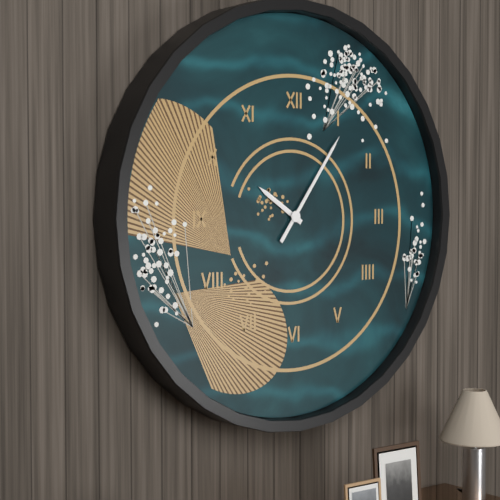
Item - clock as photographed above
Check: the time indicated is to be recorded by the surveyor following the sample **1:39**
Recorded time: **10:06**
